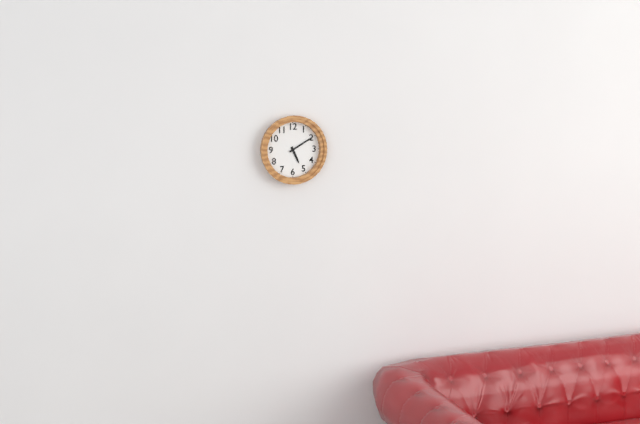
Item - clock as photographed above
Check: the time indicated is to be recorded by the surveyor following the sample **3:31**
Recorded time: **5:10**
